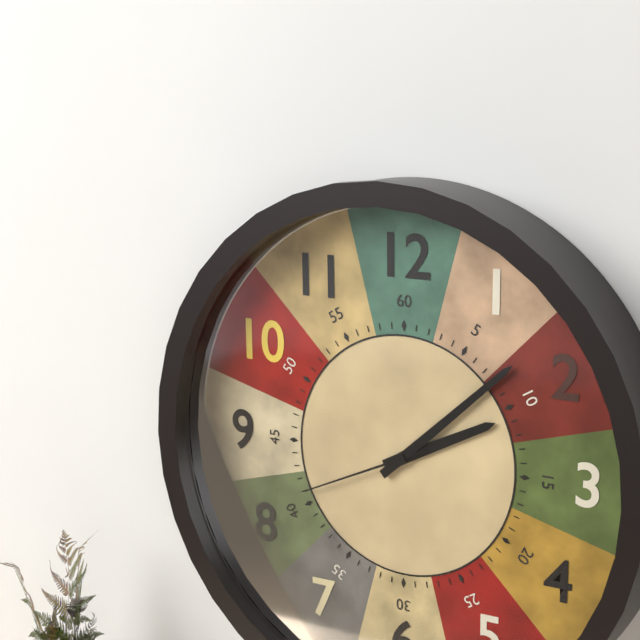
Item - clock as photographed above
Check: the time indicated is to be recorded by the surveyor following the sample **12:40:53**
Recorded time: **2:08:41**
